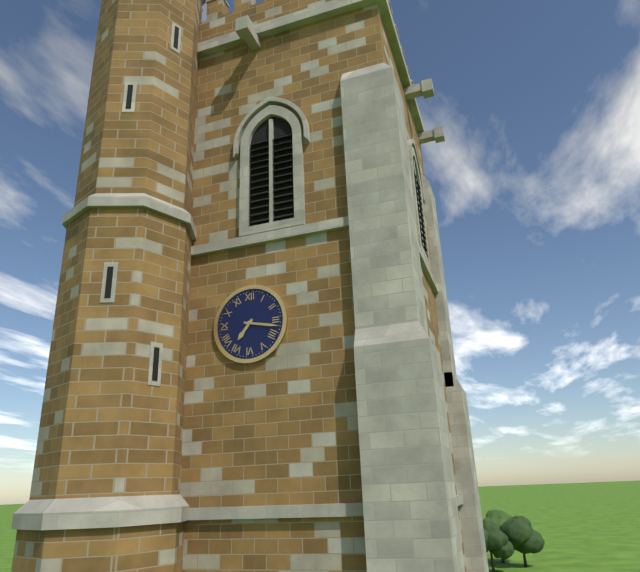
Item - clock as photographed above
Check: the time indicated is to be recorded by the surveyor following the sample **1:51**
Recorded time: **7:17**
